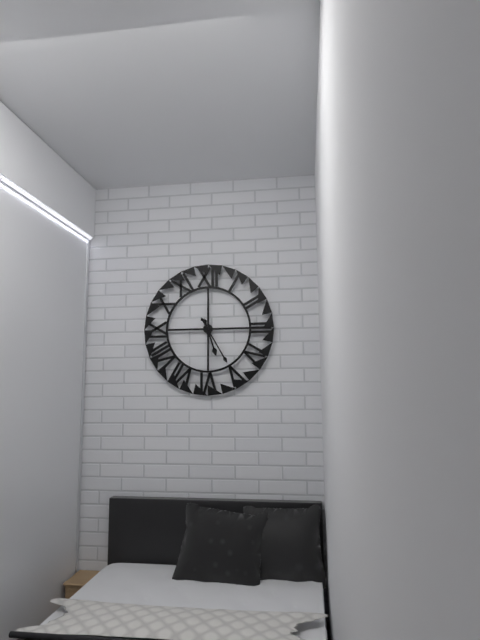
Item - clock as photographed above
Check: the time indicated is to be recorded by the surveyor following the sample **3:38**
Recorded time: **5:25**
